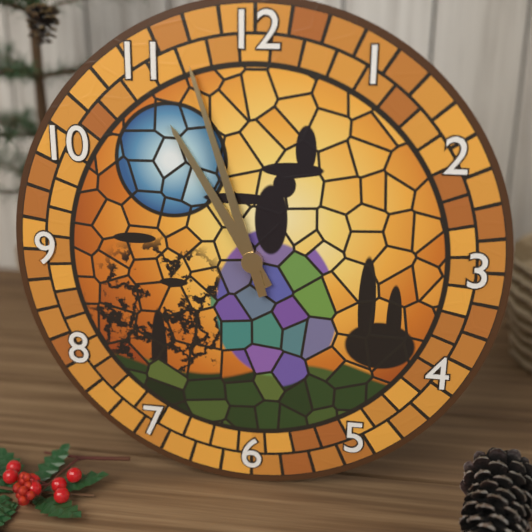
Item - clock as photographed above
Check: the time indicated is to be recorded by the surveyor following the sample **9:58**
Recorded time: **10:57**
